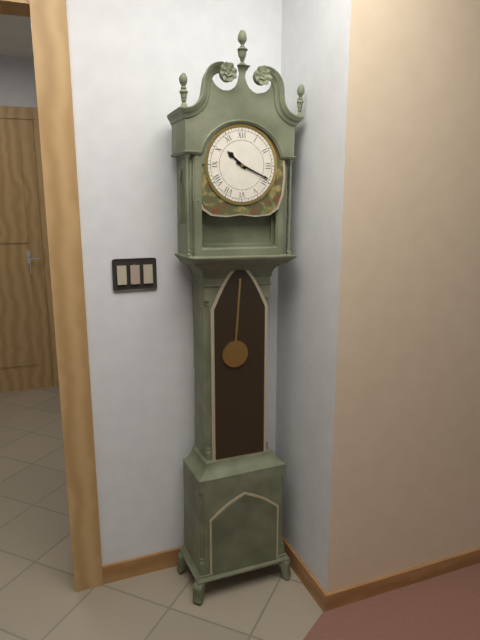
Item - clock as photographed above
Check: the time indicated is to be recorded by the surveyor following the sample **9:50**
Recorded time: **10:19**
